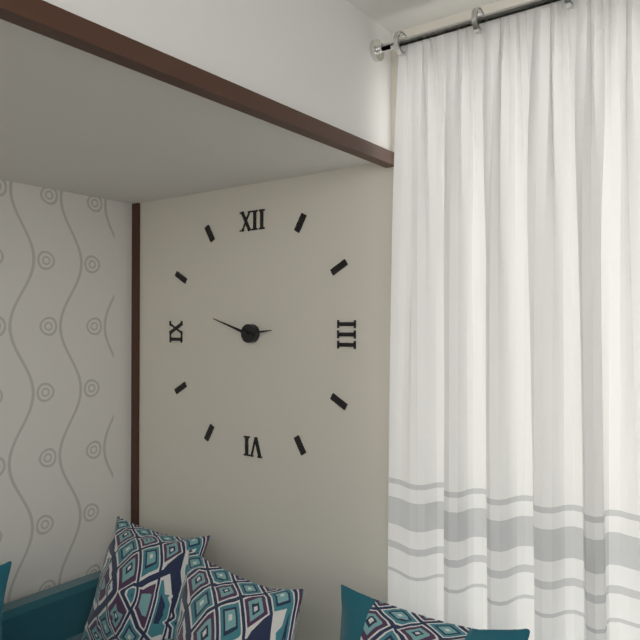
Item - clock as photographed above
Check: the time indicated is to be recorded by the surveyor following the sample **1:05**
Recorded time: **2:48**
